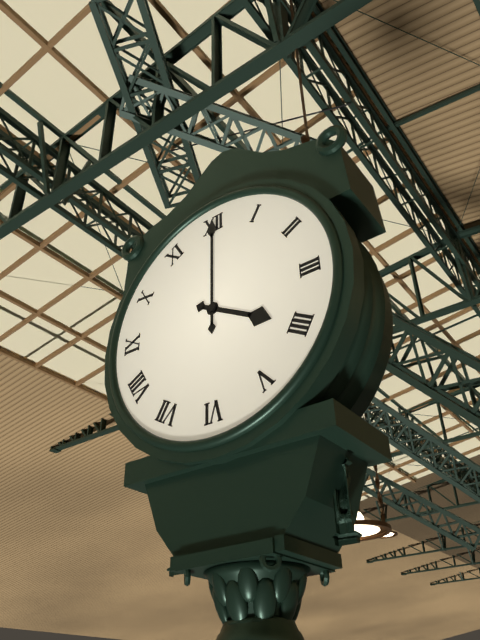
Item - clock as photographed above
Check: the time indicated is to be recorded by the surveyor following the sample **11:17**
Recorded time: **4:00**
